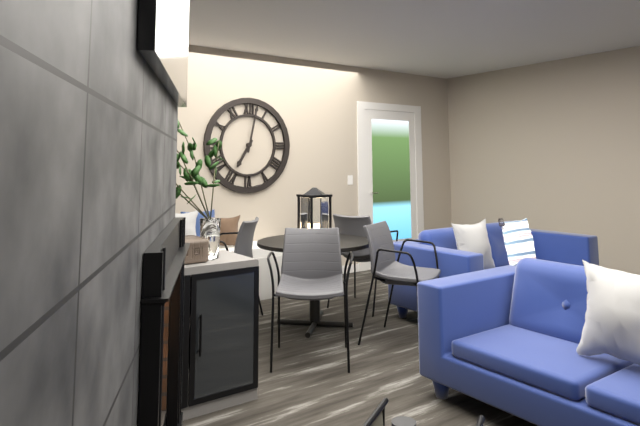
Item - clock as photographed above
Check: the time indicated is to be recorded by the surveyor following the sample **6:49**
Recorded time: **7:02**
